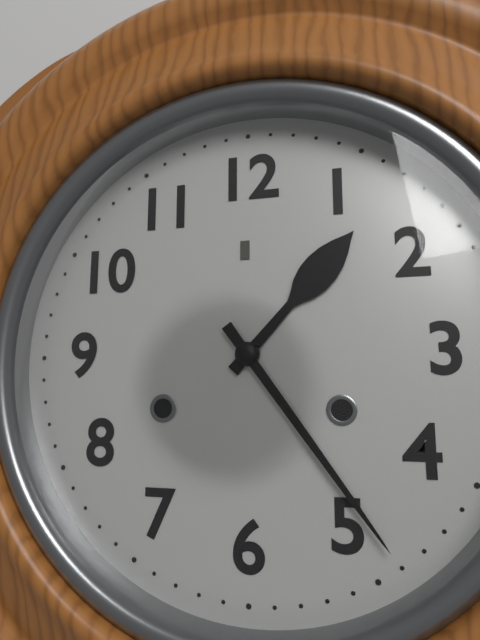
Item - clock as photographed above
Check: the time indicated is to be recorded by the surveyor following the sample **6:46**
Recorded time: **1:24**
